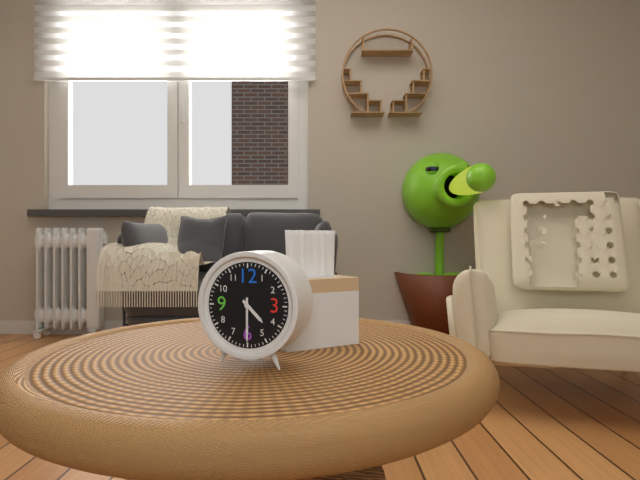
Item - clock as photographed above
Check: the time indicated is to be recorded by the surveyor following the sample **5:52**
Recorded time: **4:30**
